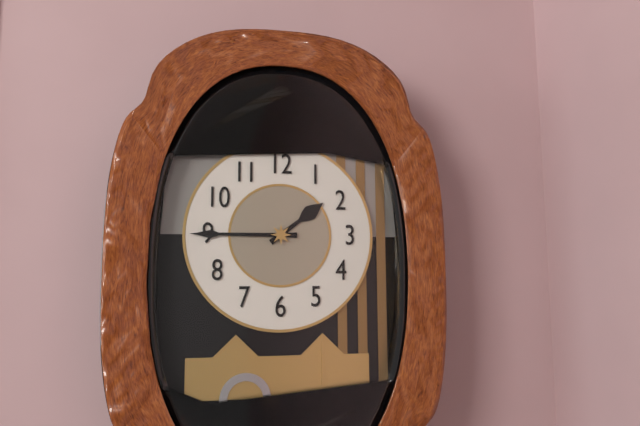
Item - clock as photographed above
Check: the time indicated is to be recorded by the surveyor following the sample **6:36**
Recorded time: **1:45**
